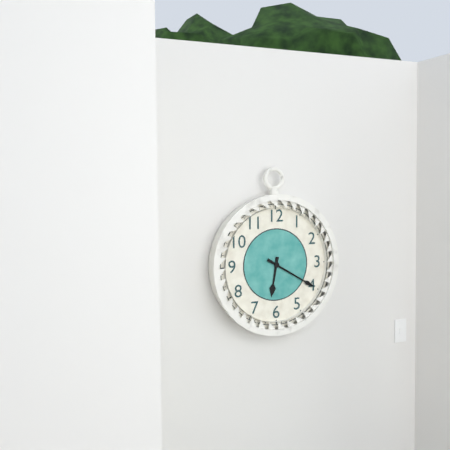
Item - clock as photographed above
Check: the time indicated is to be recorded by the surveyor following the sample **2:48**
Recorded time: **6:20**
